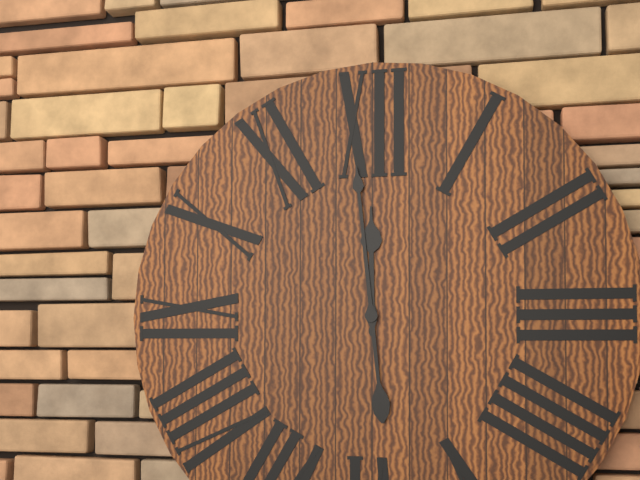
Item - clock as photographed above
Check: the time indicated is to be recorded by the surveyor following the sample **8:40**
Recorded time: **11:59**
